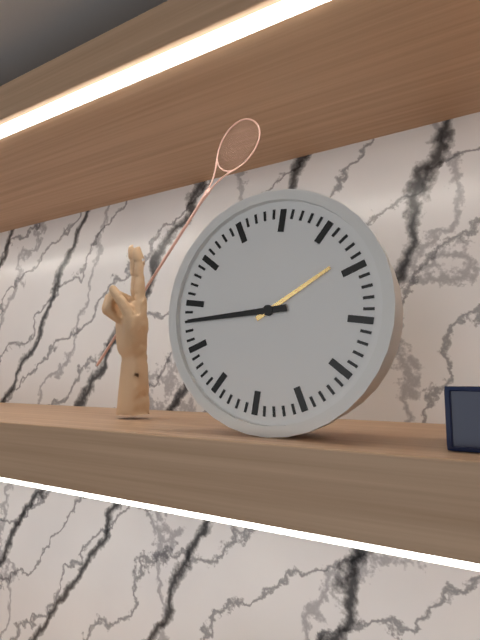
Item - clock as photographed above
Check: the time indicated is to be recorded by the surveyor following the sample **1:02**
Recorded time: **1:43**
